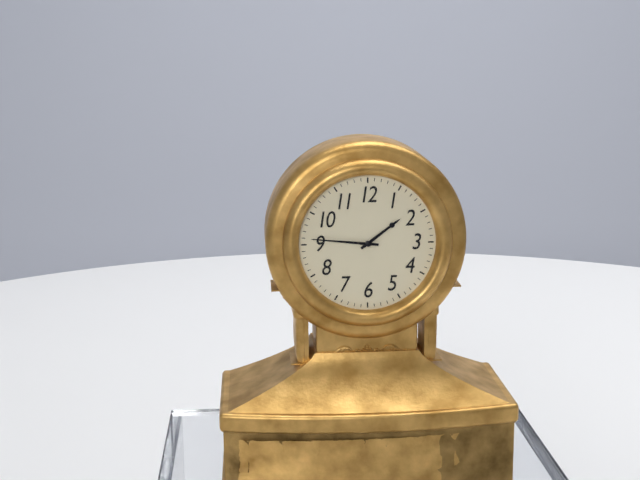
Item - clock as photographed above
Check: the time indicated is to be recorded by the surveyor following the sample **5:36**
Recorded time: **1:46**
